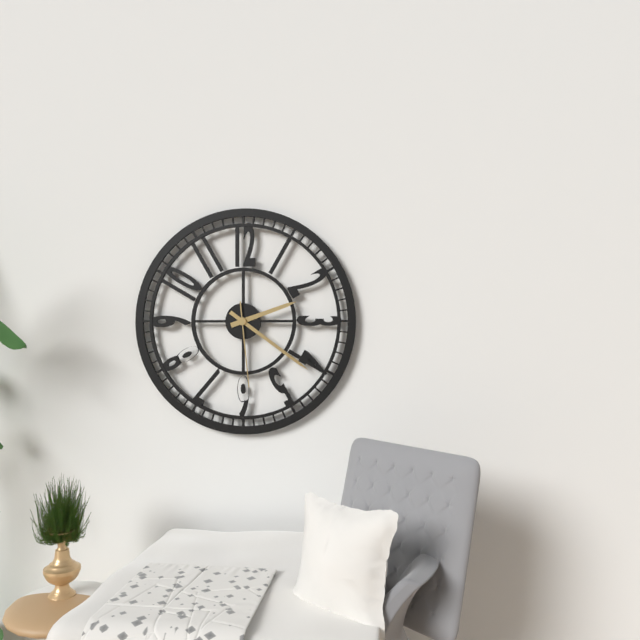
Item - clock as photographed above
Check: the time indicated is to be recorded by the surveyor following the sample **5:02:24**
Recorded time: **2:21:29**
